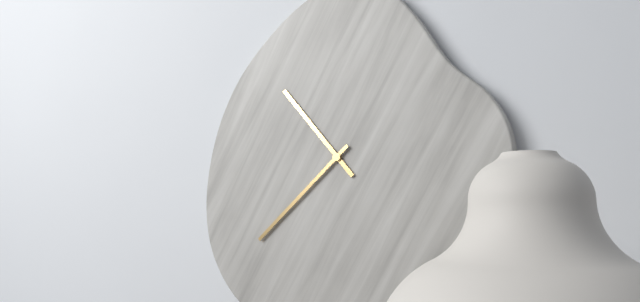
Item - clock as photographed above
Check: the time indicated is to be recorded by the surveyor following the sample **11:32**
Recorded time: **10:38**
